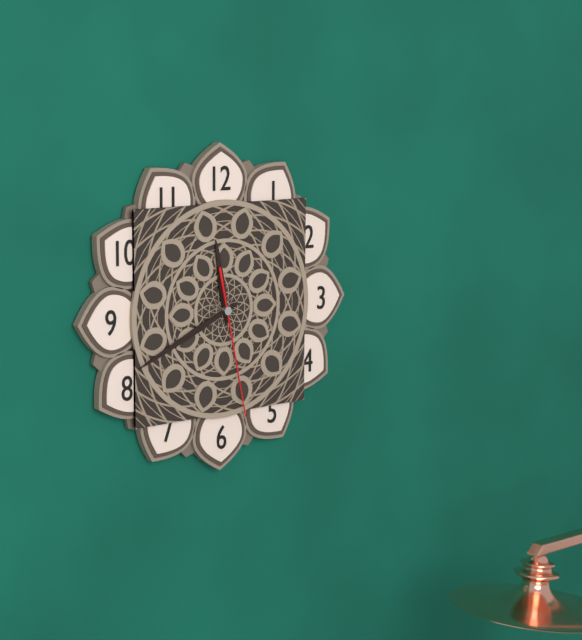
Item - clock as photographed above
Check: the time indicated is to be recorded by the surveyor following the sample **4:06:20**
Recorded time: **11:41:28**
